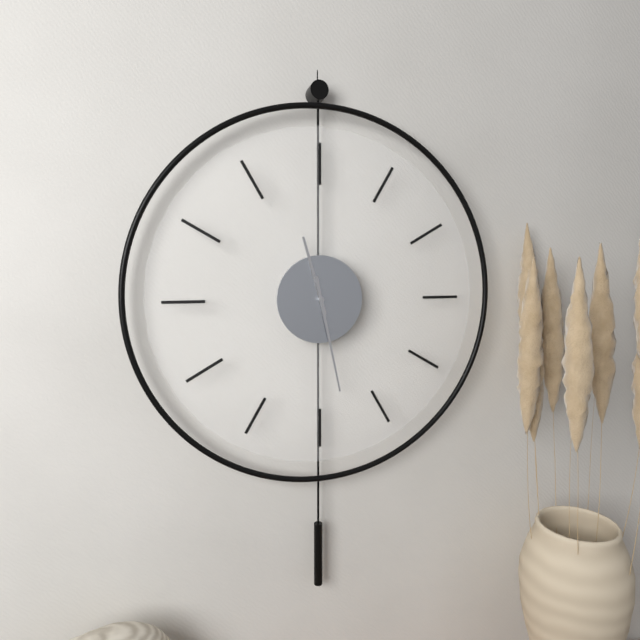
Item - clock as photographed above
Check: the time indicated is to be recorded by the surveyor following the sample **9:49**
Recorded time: **11:28**
